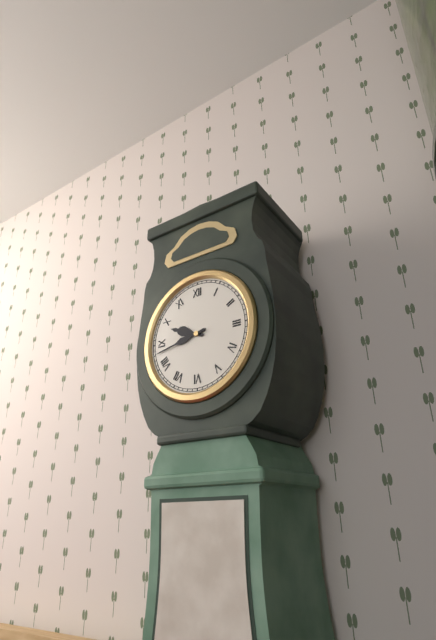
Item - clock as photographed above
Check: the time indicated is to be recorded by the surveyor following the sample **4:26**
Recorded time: **9:43**
